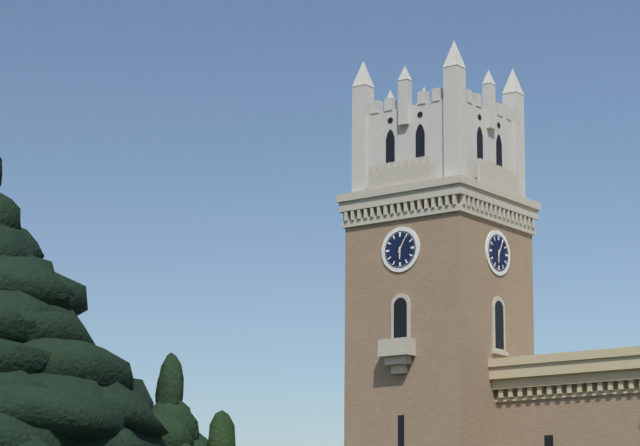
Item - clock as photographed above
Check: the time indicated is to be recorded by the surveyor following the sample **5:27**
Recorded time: **6:05**
